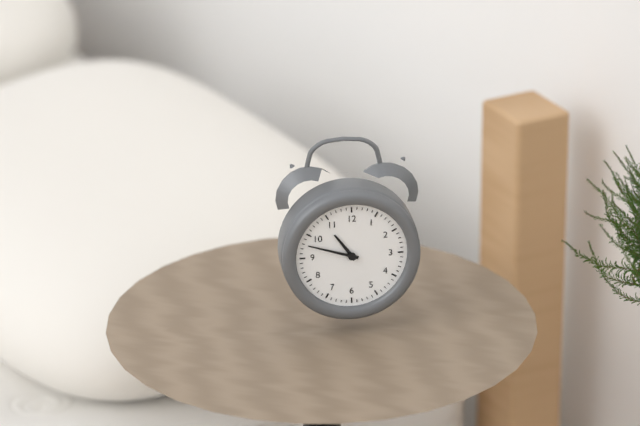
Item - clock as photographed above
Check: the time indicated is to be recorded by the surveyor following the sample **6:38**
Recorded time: **10:48**
